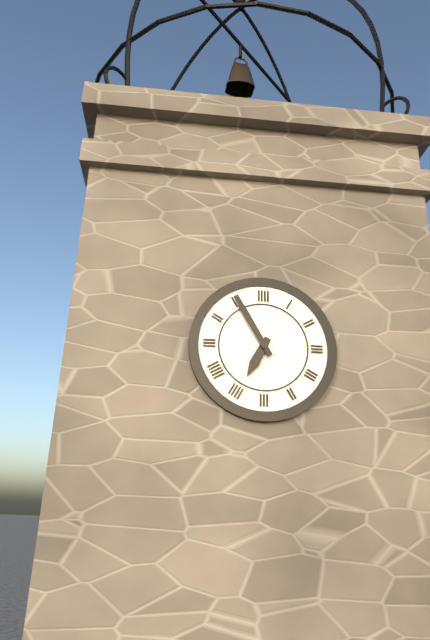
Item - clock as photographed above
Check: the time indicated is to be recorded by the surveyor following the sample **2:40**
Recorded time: **6:55**
